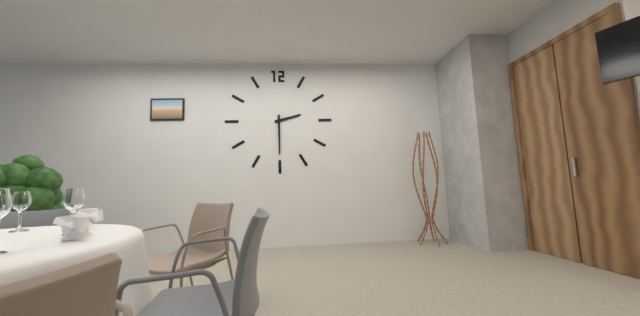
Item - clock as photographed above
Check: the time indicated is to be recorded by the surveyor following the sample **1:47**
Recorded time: **2:30**
